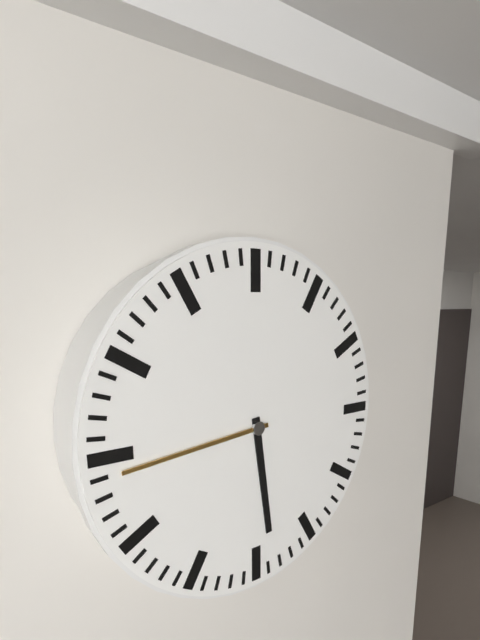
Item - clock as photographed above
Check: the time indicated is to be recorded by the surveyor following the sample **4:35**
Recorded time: **5:44**
